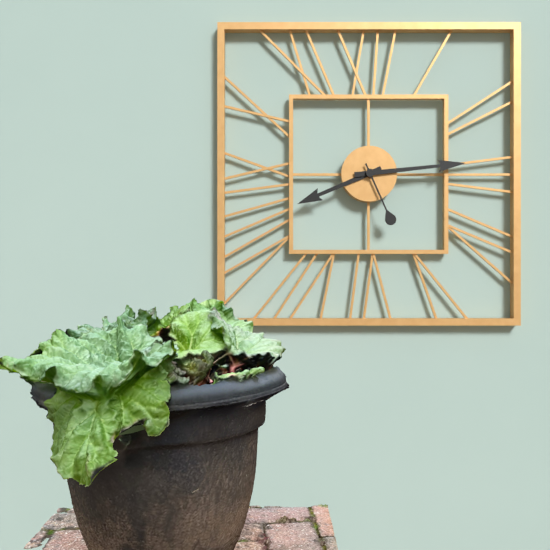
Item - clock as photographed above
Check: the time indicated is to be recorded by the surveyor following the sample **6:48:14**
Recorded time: **8:14:26**
